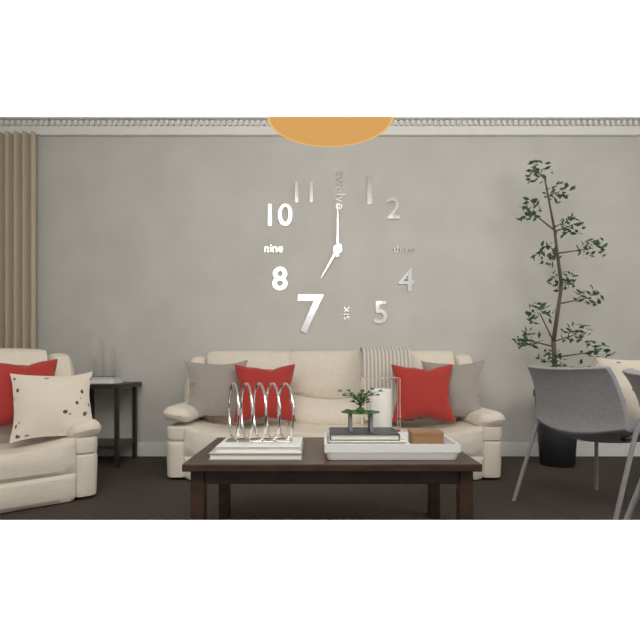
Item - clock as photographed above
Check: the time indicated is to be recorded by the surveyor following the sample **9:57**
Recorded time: **7:00**
